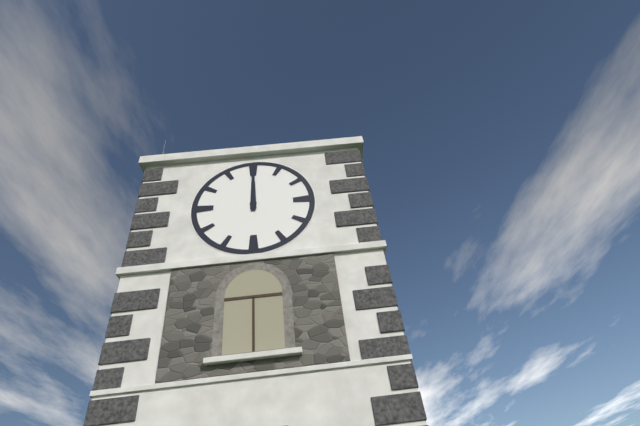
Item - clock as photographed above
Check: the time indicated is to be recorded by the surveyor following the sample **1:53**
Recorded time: **12:00**
